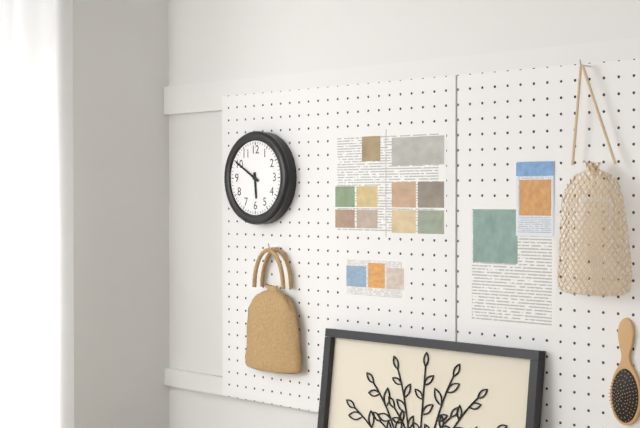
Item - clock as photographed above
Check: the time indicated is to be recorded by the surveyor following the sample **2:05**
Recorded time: **5:50**
